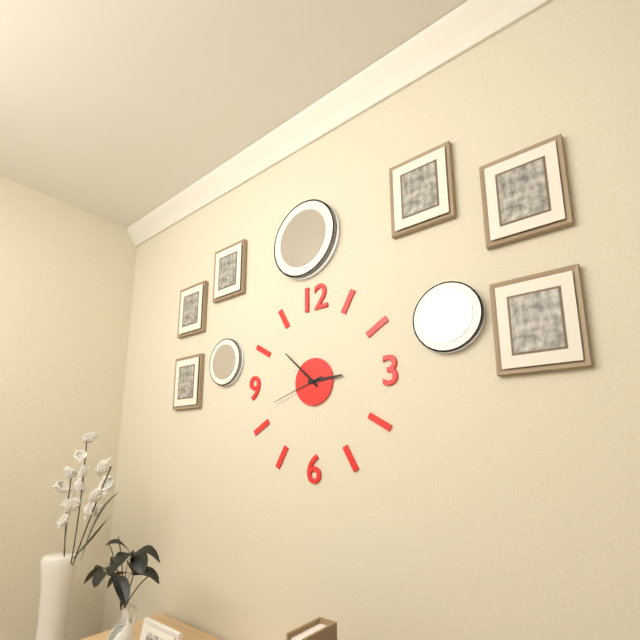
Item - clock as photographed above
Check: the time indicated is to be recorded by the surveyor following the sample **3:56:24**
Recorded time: **2:52:42**
